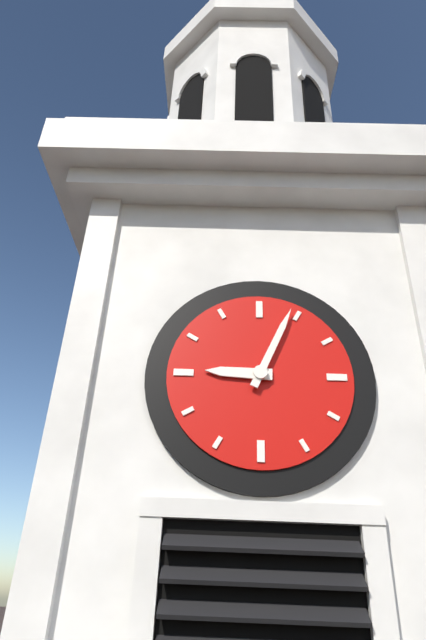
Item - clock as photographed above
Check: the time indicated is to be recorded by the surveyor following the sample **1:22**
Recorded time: **9:04**
